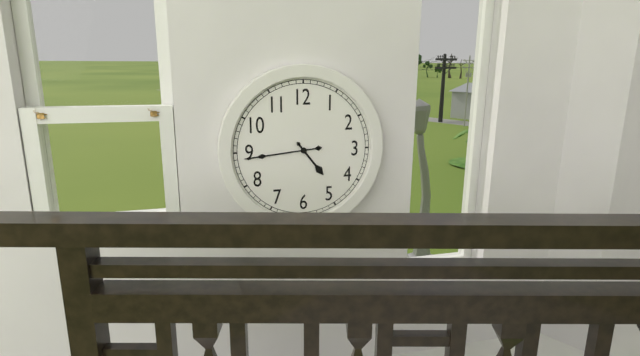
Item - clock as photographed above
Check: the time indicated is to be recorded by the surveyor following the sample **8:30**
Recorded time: **4:44**
